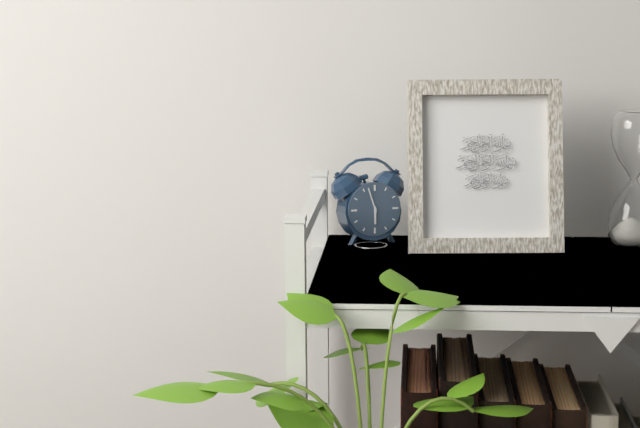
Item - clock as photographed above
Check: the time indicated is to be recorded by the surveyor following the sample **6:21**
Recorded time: **5:57**
